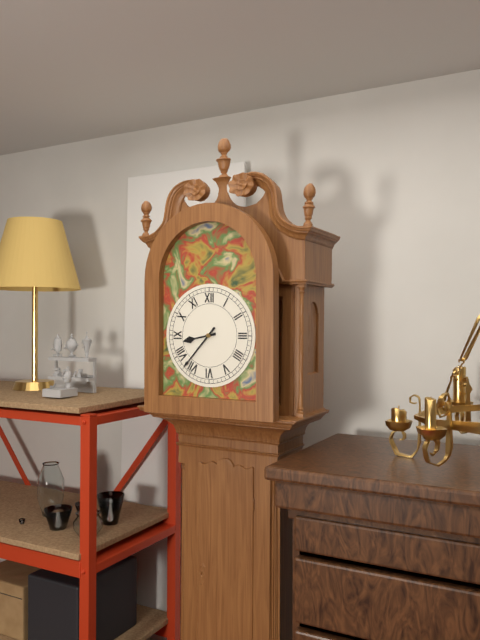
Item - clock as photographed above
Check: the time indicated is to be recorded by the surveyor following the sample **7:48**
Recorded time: **8:37**
